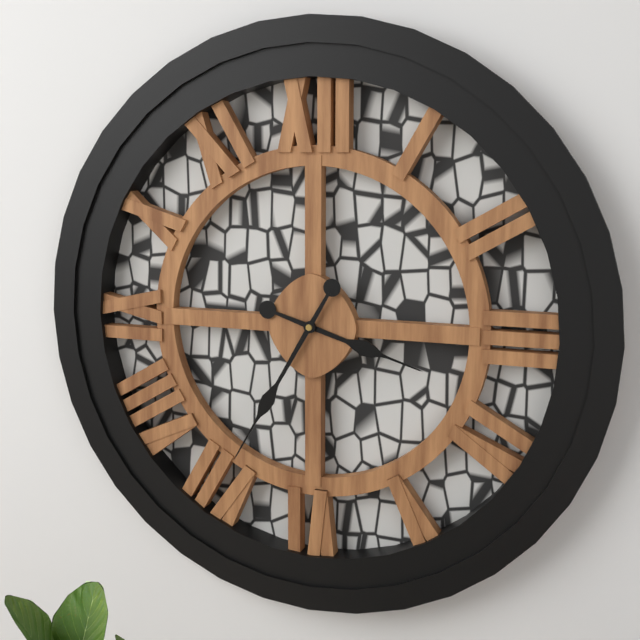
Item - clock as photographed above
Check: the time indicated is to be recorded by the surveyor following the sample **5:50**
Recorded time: **3:35**
